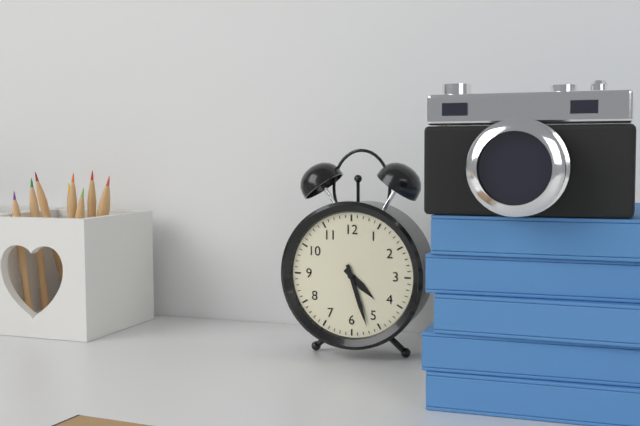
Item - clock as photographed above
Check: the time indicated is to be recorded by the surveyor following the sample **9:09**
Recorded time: **4:27**
